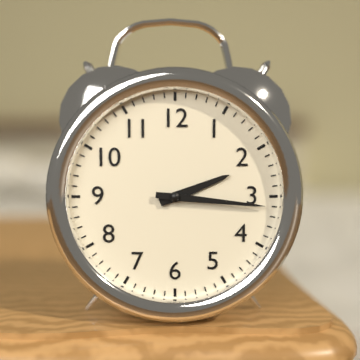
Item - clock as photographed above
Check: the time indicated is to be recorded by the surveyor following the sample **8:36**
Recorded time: **2:16**
